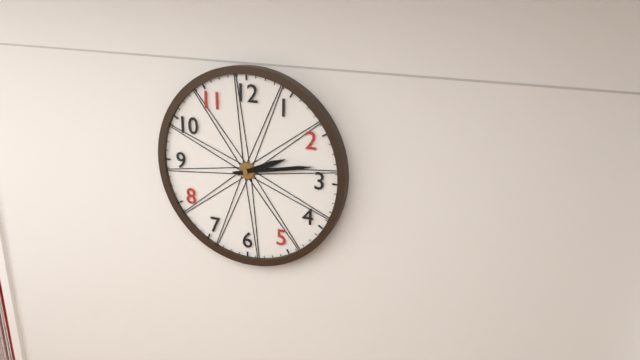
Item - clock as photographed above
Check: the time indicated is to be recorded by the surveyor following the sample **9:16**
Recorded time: **2:13**
